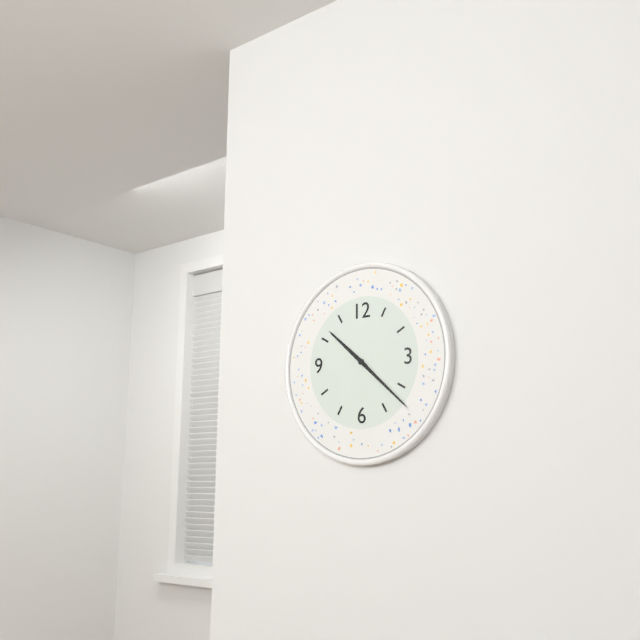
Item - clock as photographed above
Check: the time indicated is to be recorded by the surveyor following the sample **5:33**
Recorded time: **10:22**
